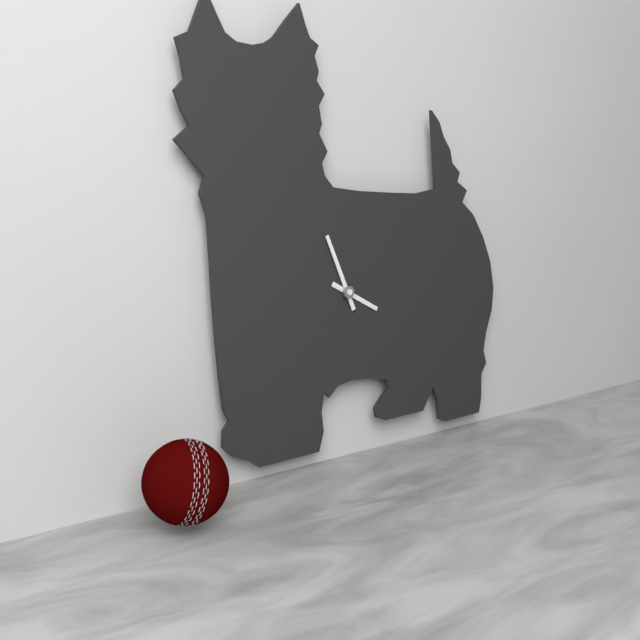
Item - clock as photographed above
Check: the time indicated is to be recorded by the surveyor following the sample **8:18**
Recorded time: **3:56**
